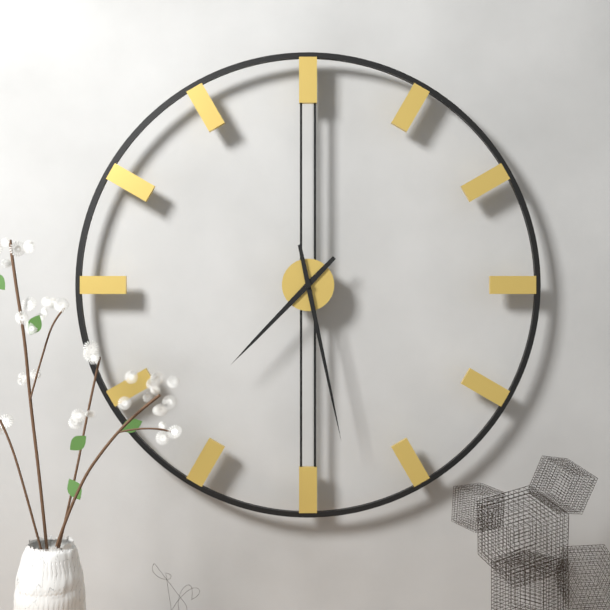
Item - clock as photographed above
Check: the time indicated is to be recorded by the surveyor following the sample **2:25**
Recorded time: **7:28**
